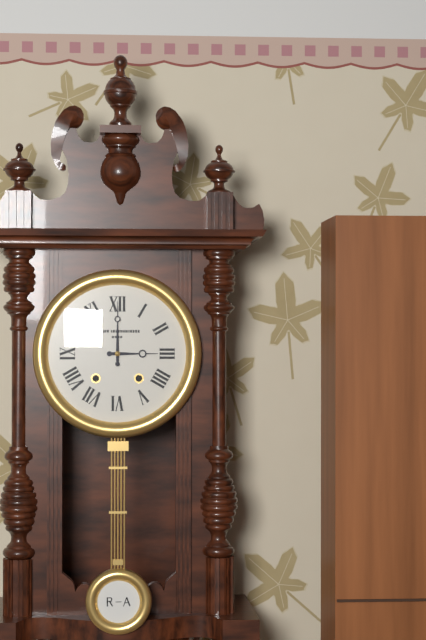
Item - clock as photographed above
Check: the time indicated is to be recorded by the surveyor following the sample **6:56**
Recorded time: **3:00**
